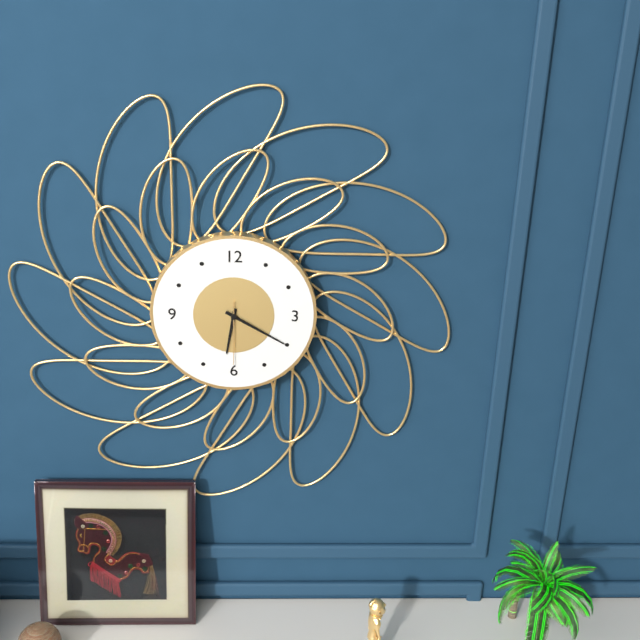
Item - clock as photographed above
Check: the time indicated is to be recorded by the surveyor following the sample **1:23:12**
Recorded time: **6:20:30**
